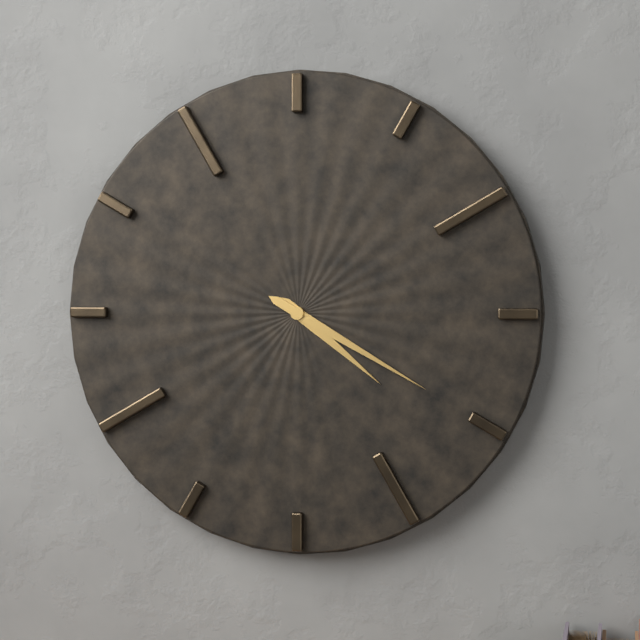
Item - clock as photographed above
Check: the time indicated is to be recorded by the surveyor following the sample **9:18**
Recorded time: **4:20**
